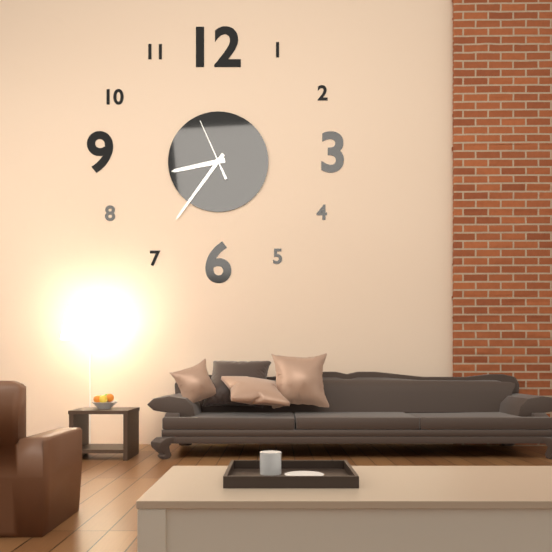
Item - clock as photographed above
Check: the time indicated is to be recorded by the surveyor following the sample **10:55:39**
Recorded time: **8:36:56**
